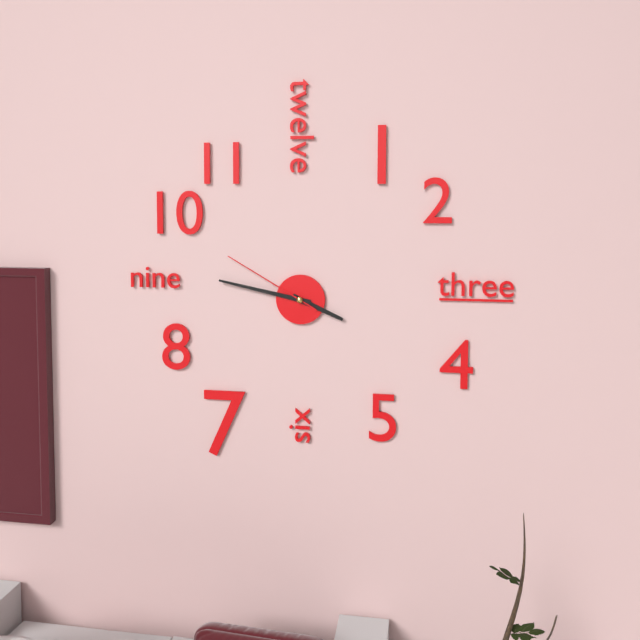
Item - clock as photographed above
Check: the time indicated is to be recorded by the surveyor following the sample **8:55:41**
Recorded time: **3:47:50**
